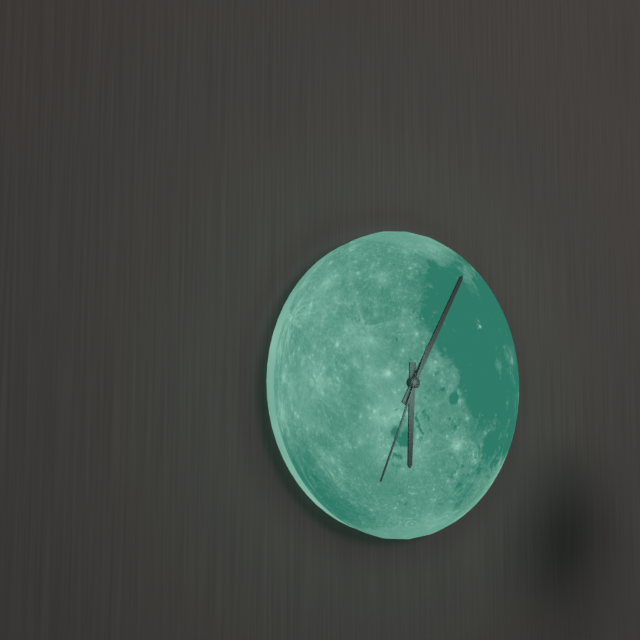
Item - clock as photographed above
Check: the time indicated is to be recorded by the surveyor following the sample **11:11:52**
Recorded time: **6:05:34**
